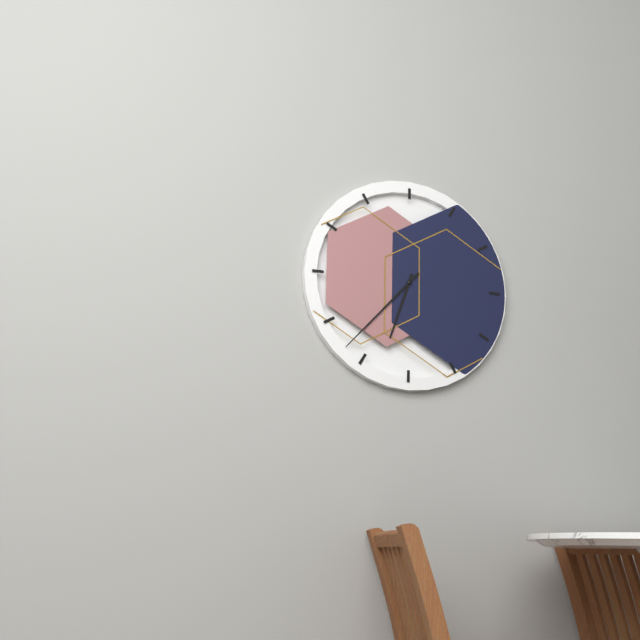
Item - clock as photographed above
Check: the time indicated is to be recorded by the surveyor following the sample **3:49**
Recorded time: **6:37**
